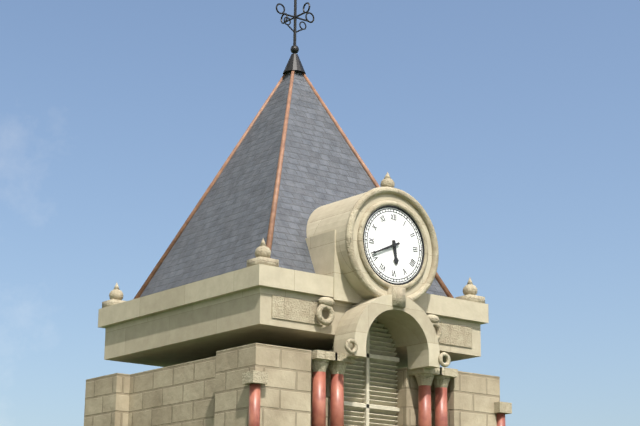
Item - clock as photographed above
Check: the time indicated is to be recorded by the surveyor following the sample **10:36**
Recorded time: **5:41**
